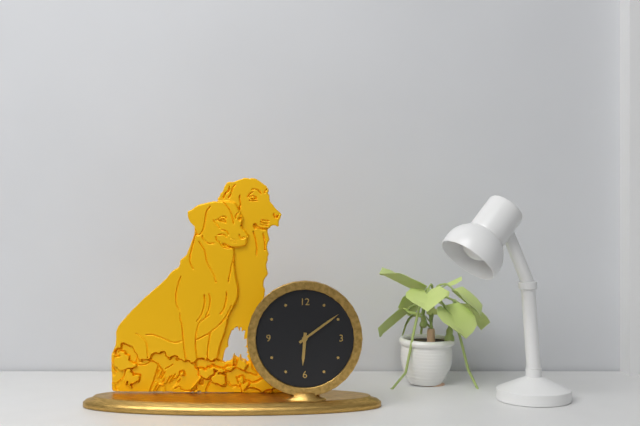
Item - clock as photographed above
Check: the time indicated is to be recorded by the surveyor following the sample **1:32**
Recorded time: **6:09**
